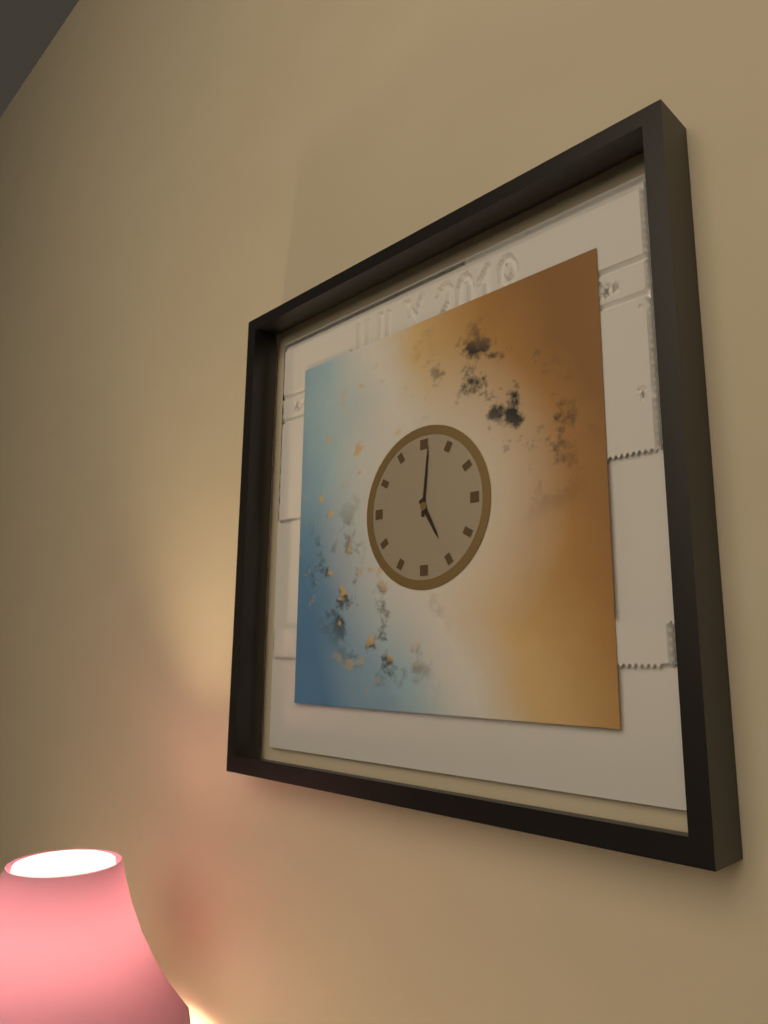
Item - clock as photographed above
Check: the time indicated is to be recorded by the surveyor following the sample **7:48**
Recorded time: **5:01**
